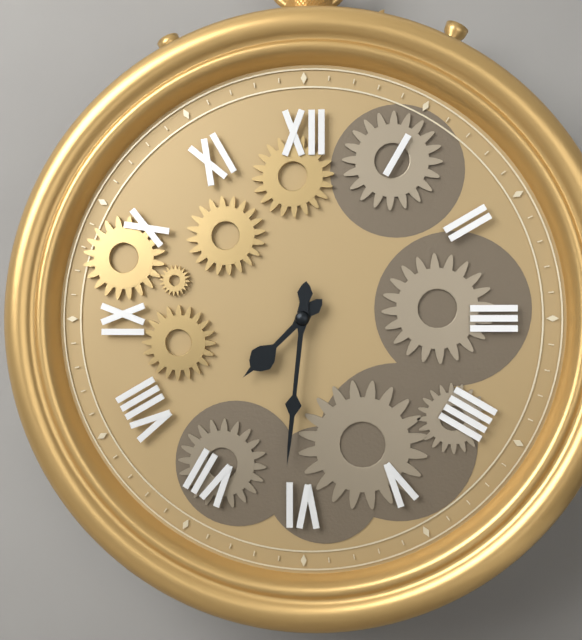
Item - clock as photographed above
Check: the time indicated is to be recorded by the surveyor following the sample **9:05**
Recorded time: **7:31**
